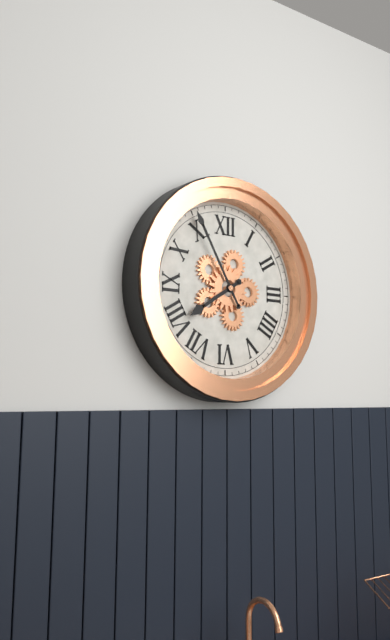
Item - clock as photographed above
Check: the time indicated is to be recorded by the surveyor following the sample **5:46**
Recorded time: **7:55**
